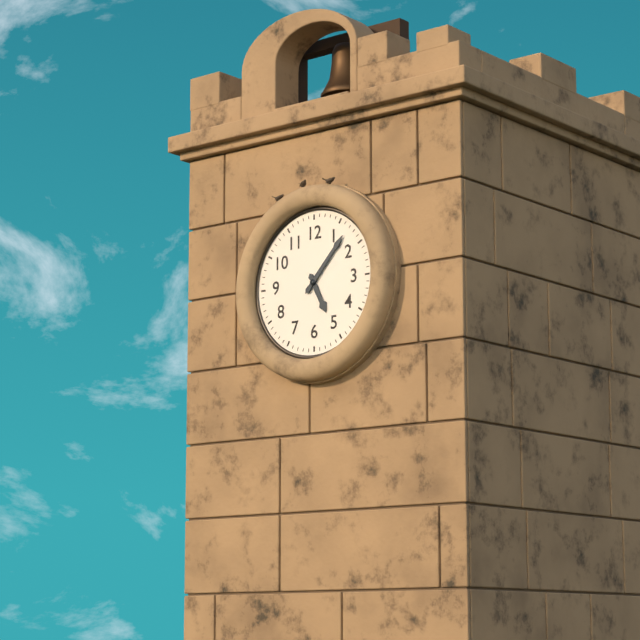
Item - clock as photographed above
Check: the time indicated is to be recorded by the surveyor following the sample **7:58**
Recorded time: **5:07**
